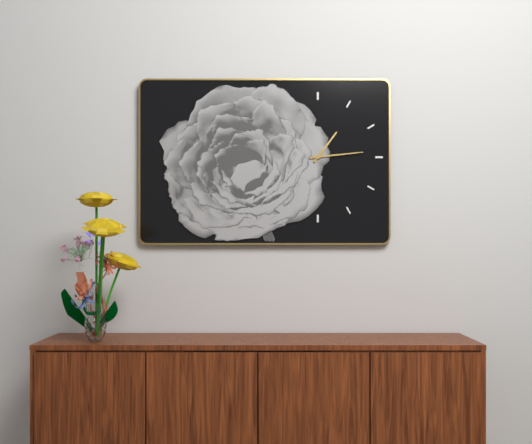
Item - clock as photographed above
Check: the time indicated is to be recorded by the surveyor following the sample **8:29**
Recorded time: **1:14**
